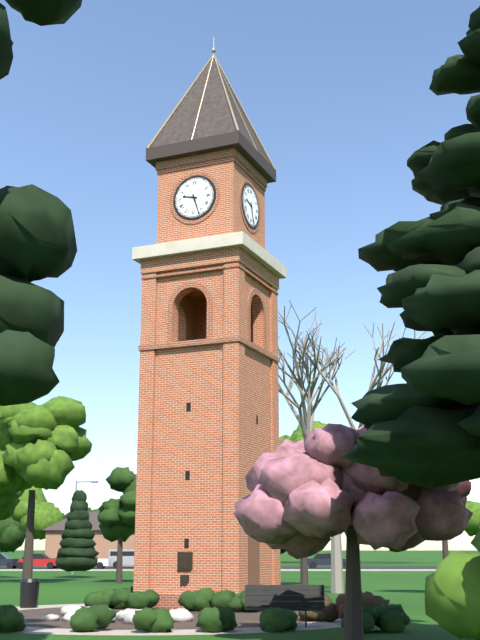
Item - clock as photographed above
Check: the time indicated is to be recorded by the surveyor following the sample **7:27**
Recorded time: **9:27**
